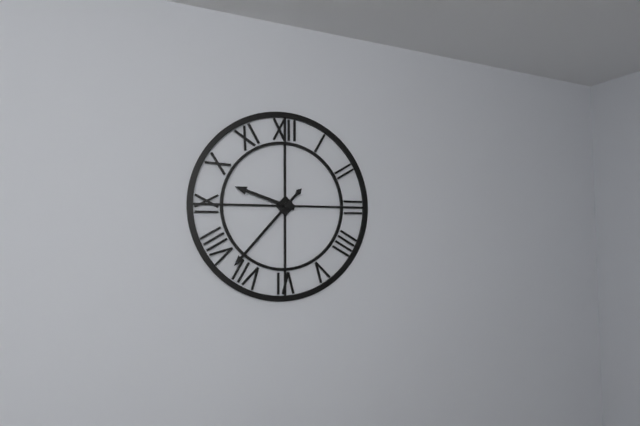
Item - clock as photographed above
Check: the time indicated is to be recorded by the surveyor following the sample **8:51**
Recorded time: **9:37**
